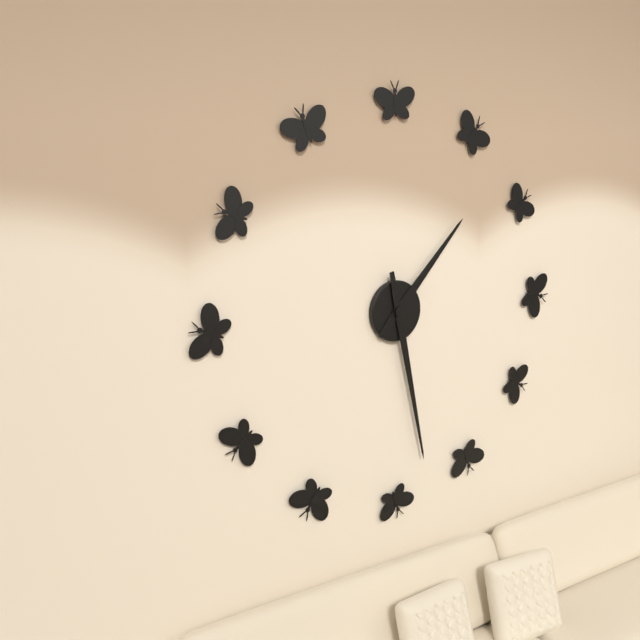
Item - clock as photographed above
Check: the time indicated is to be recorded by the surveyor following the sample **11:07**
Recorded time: **1:28**
